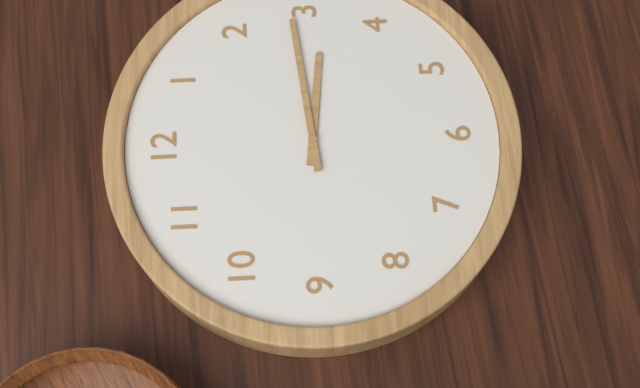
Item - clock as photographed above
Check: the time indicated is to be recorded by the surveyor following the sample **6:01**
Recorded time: **3:14**
